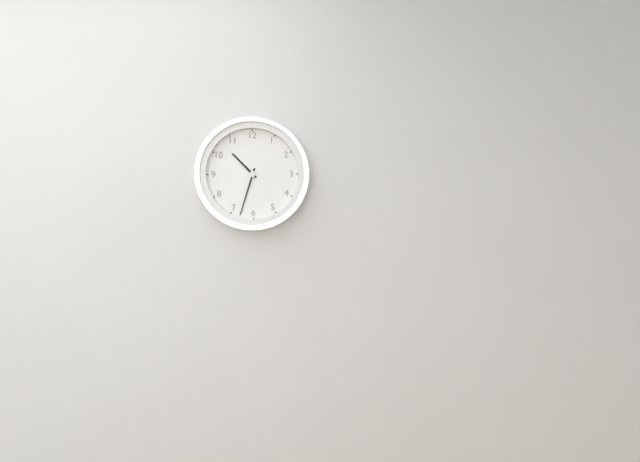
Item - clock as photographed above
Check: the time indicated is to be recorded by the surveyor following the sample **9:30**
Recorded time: **10:33**
